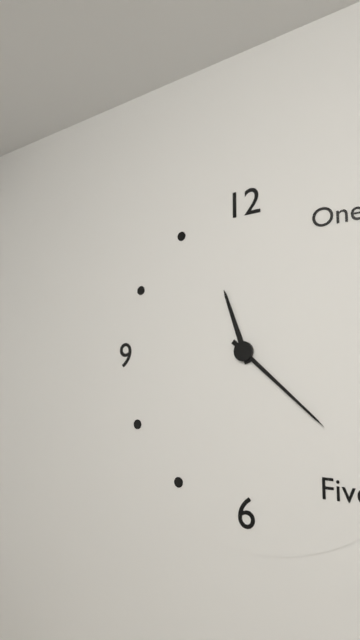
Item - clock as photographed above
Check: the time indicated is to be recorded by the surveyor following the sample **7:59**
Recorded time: **11:22**
